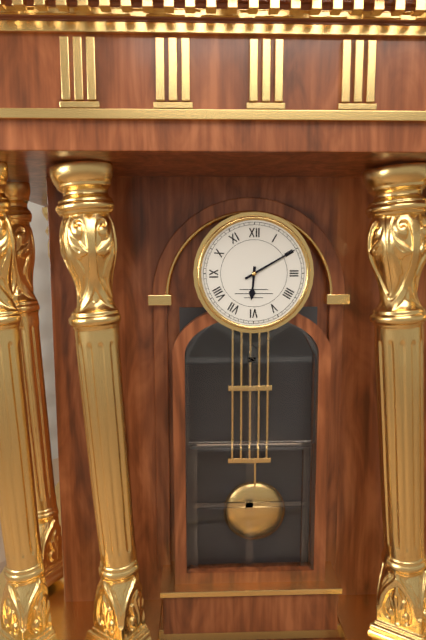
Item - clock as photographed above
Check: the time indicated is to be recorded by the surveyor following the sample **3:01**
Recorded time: **6:10**
